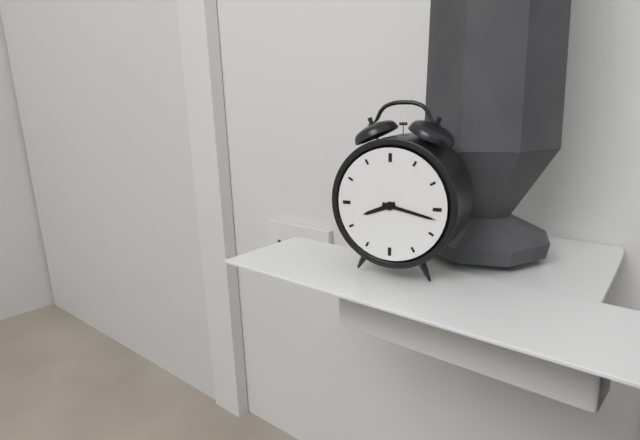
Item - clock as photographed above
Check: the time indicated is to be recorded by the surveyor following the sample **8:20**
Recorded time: **8:17**
